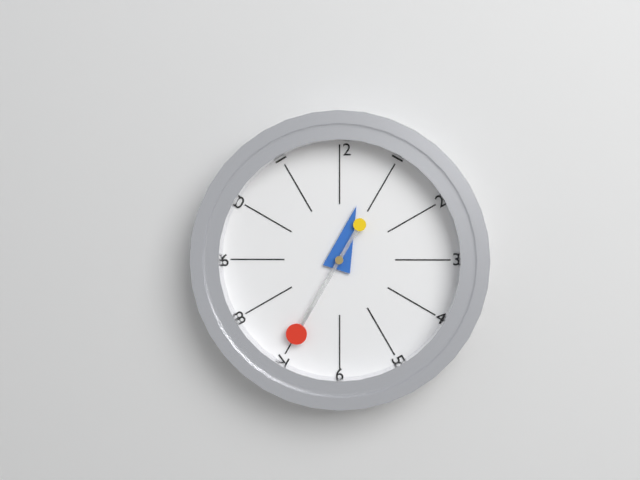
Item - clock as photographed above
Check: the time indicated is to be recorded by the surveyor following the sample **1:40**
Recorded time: **12:35**
